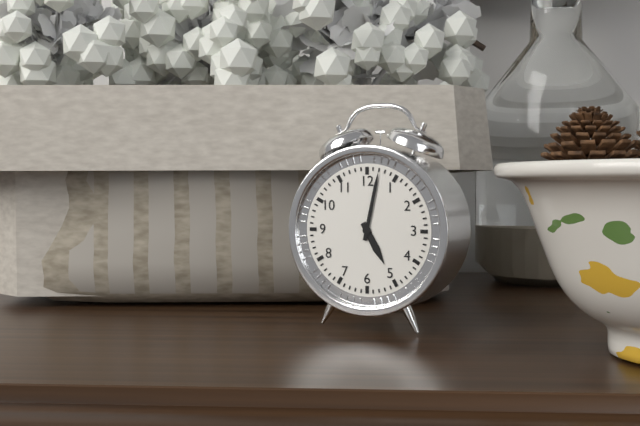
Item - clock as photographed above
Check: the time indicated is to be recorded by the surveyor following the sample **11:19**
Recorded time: **5:02**
